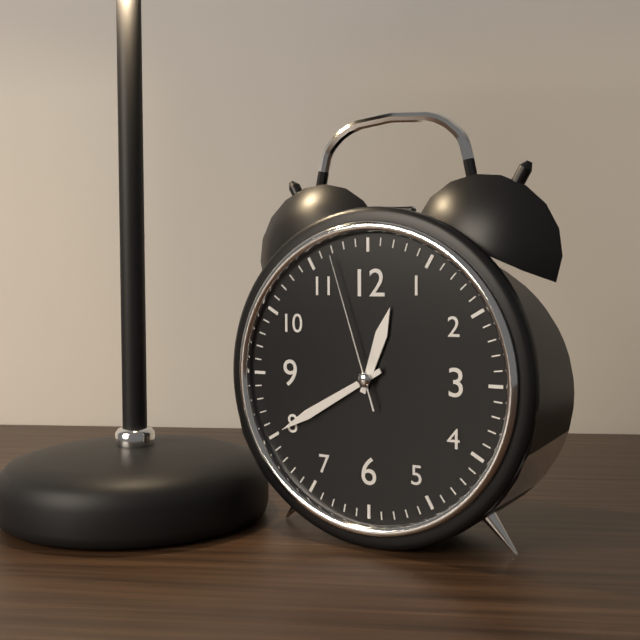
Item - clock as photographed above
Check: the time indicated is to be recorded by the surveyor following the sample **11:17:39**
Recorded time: **12:40:57**
